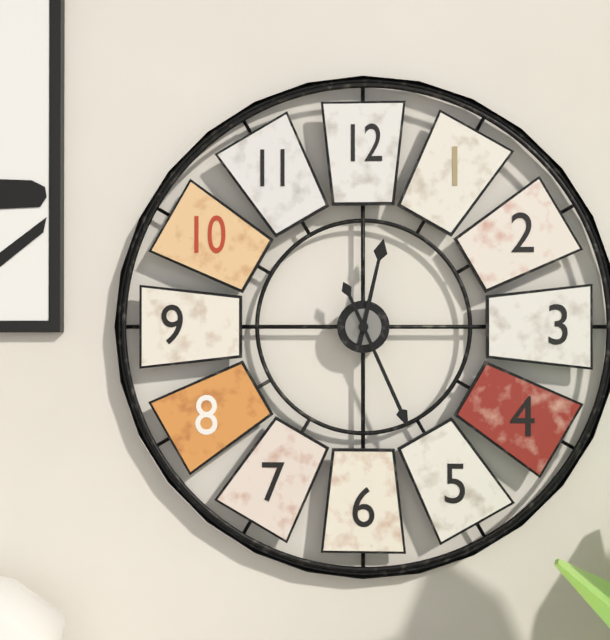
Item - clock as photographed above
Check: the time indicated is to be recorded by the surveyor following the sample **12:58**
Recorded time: **12:26**
